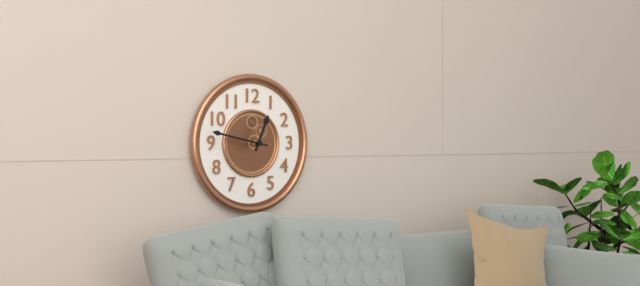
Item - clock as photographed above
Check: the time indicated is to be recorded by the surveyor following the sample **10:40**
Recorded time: **12:47**
